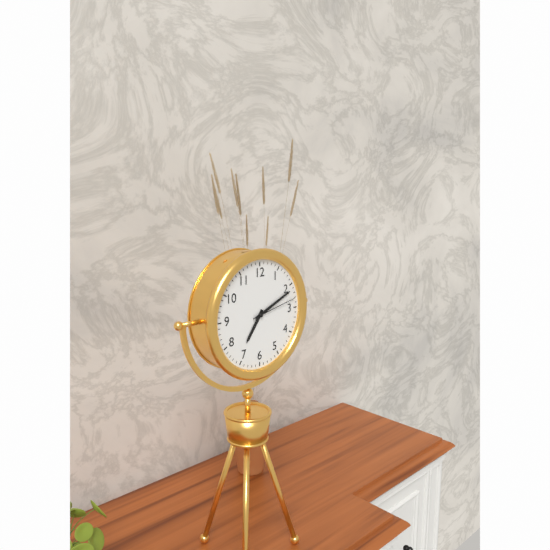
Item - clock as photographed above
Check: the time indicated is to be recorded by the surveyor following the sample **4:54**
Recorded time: **7:11**
